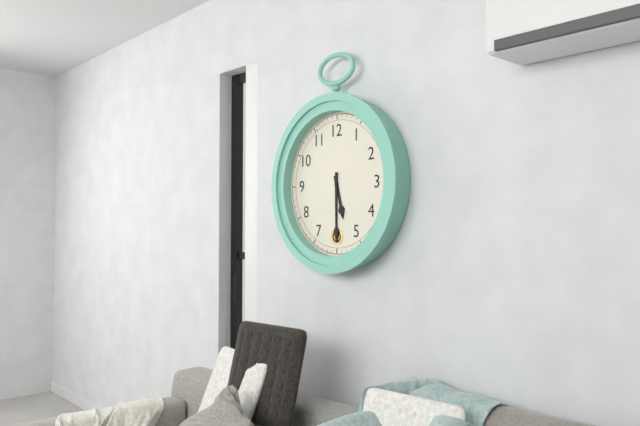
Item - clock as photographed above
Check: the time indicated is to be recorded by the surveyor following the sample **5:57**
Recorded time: **5:30**
